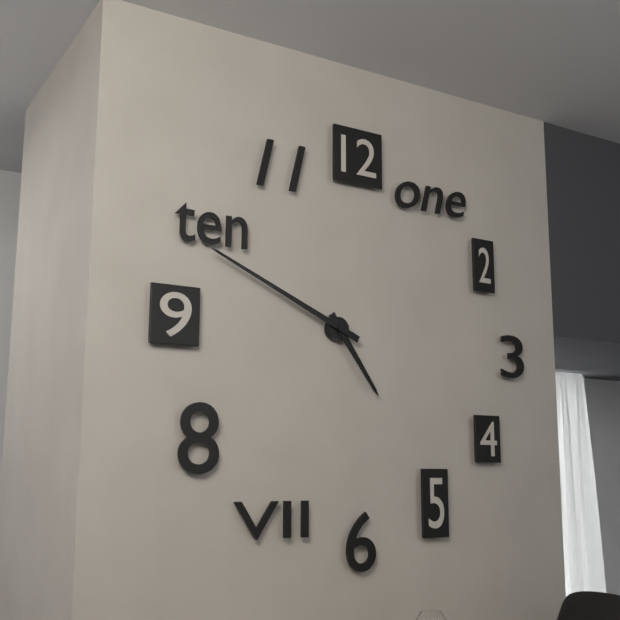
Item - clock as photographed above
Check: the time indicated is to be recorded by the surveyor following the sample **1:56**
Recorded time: **4:49**
